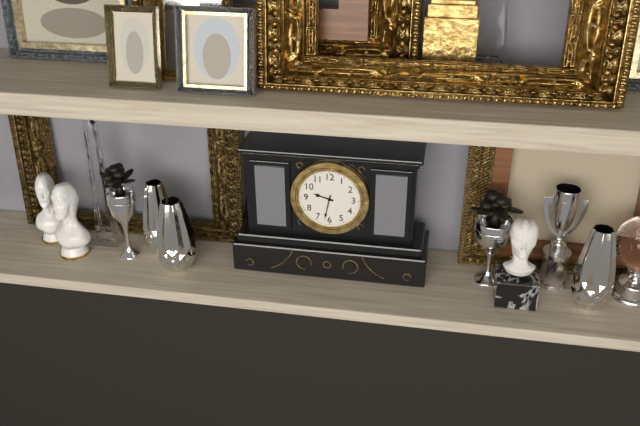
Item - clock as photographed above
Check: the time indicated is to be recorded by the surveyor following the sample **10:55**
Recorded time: **9:32**
